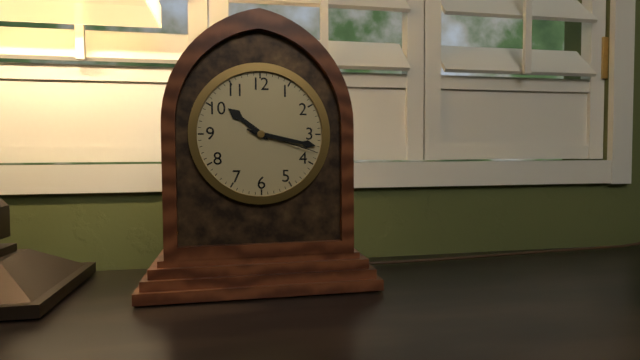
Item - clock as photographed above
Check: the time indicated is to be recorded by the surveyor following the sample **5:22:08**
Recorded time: **10:17:18**
